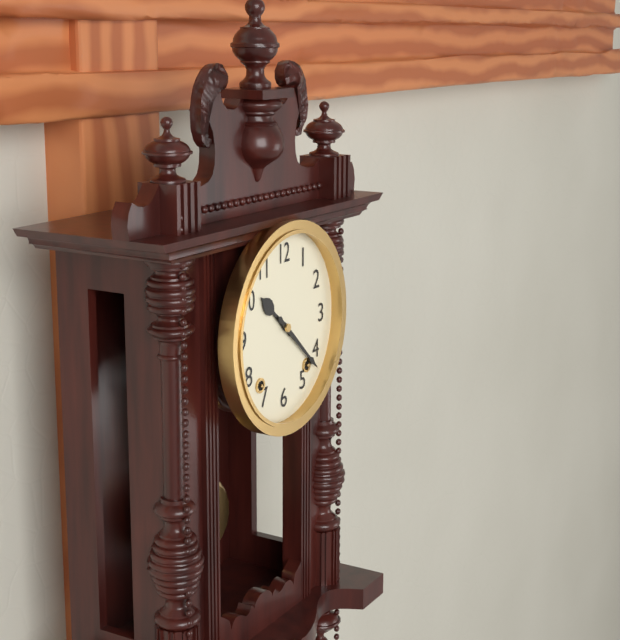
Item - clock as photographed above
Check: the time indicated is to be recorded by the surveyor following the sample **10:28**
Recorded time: **10:22**
